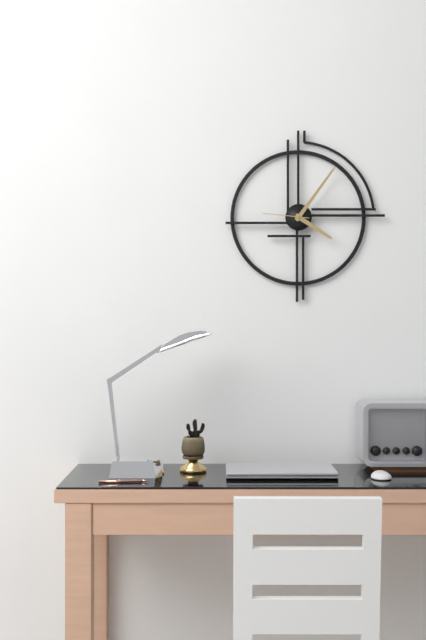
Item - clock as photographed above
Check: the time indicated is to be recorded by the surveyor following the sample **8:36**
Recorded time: **4:06**
